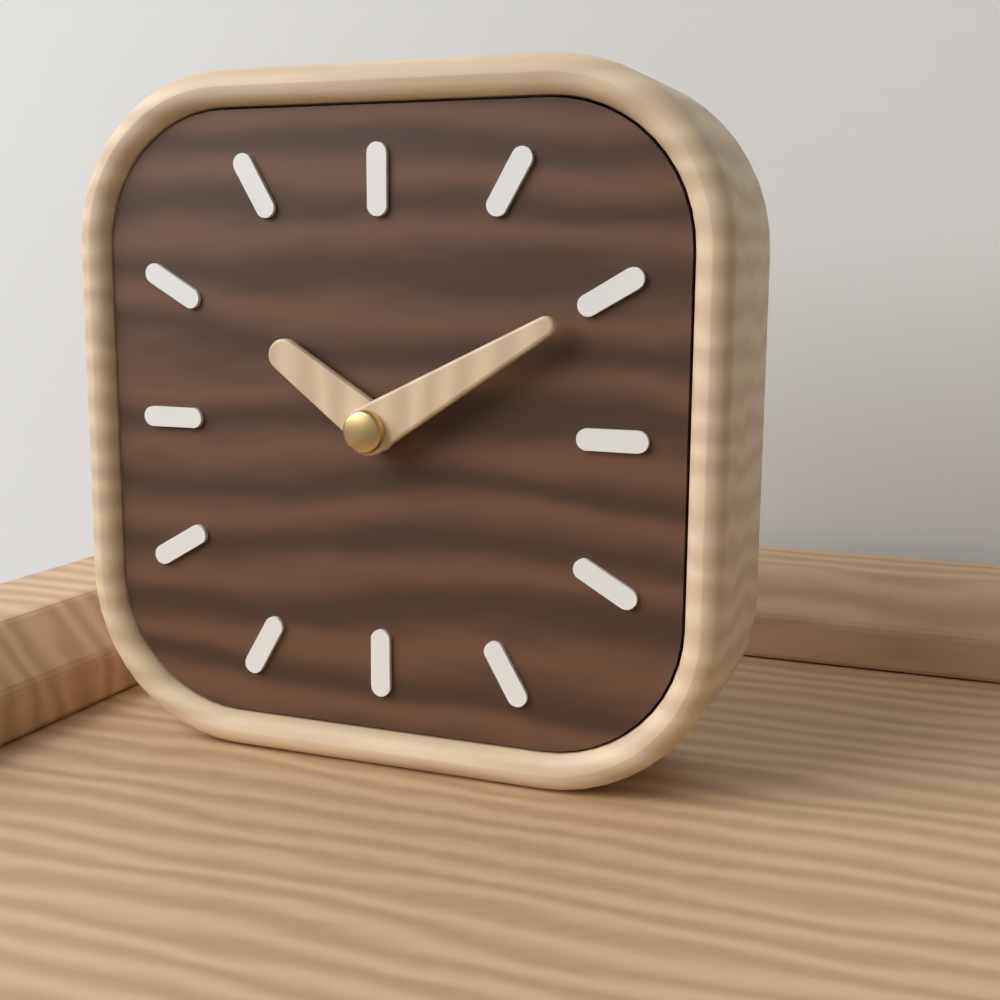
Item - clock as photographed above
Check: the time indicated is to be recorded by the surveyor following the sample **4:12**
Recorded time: **10:10**
